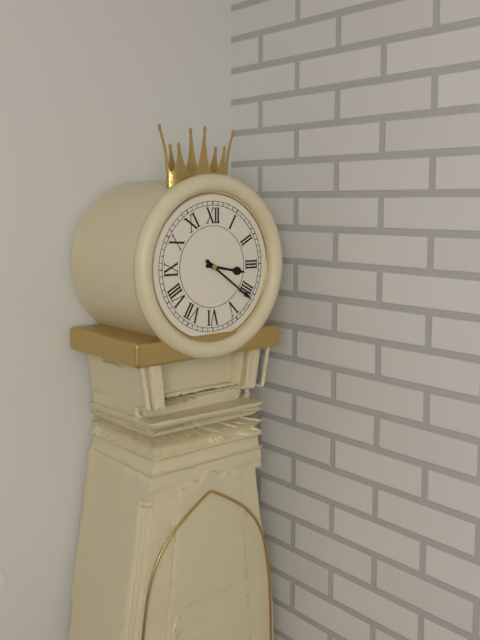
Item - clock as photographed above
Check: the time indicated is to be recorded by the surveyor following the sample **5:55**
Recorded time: **3:21**
